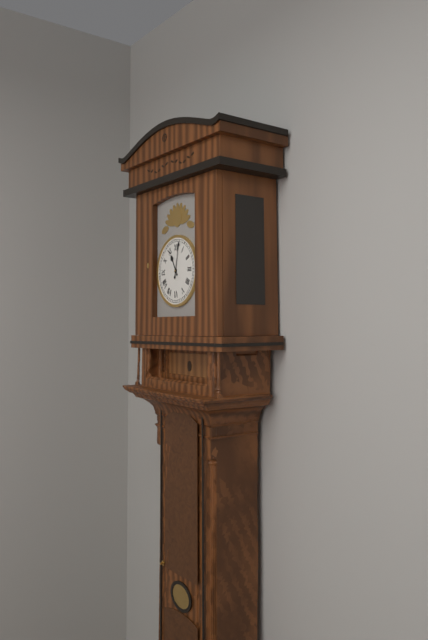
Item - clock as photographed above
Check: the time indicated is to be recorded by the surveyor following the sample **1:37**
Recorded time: **11:02**
